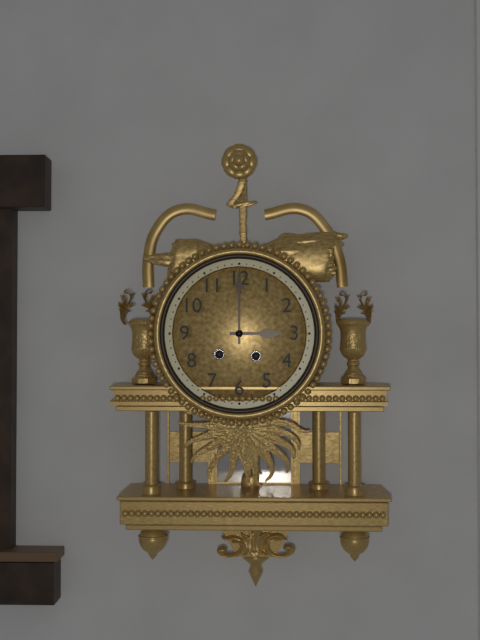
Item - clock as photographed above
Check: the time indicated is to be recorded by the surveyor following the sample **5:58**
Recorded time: **3:00**
